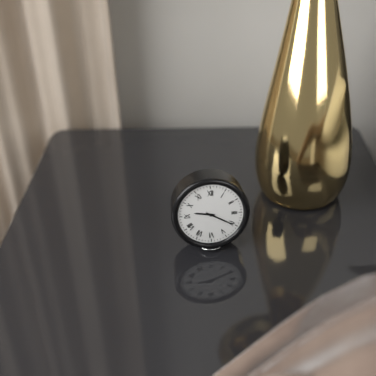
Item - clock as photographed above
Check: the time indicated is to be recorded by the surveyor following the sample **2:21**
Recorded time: **9:20**
